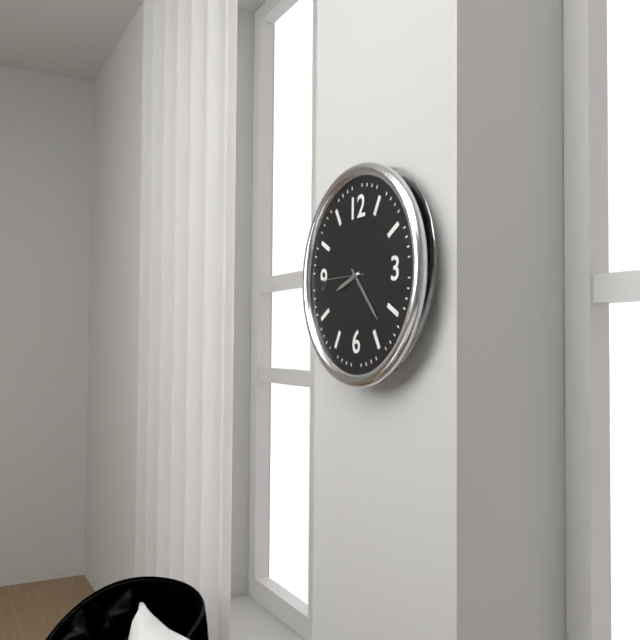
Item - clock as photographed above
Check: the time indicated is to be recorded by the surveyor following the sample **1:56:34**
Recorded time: **8:23:45**
